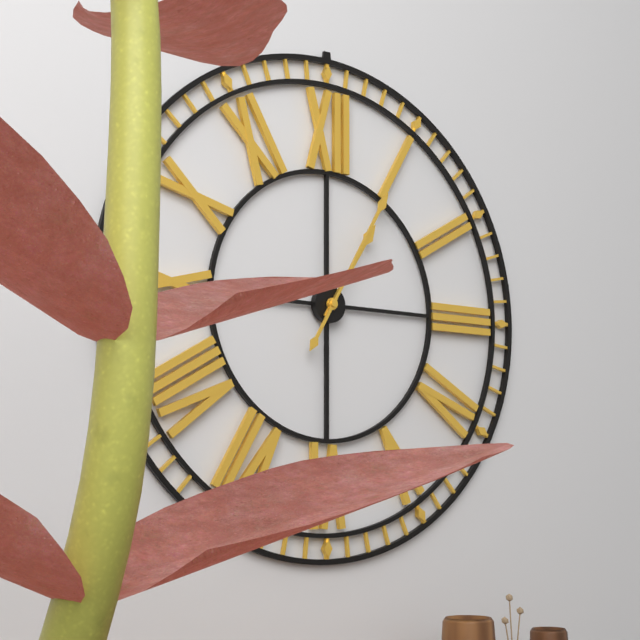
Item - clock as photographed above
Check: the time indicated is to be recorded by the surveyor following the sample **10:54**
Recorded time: **1:05**
